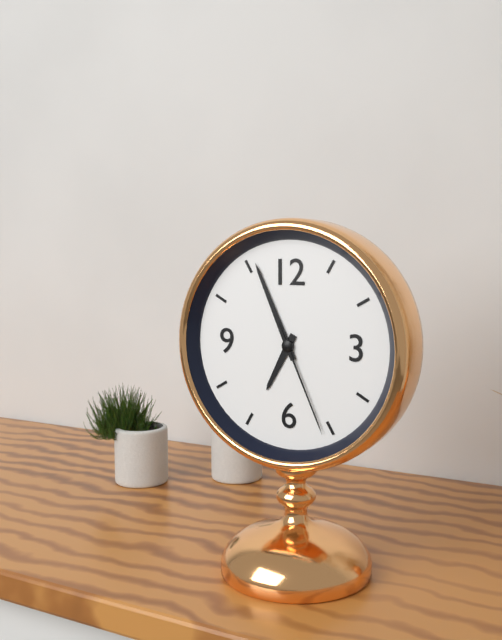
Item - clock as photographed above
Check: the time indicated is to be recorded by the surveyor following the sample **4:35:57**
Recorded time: **6:56:26**
